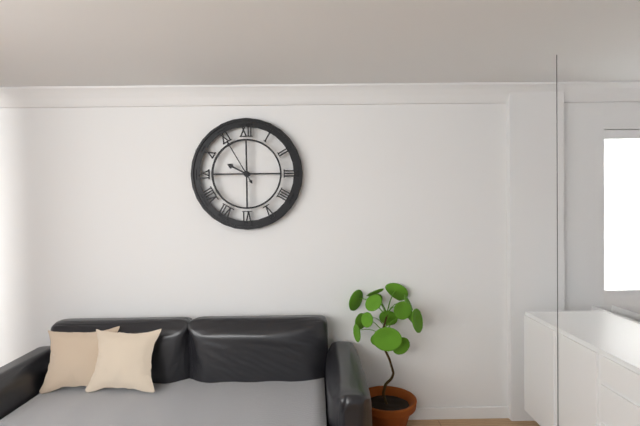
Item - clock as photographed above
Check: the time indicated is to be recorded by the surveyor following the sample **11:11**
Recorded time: **9:55**
